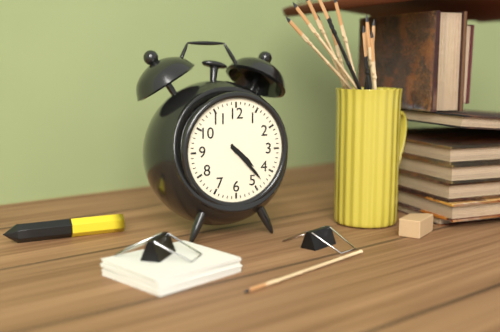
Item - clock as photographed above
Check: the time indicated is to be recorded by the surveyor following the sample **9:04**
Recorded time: **4:23**
